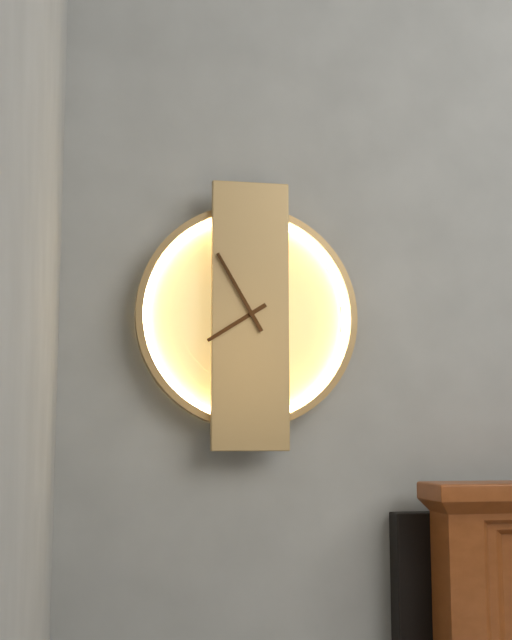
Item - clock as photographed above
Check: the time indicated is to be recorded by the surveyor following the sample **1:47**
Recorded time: **7:55**
